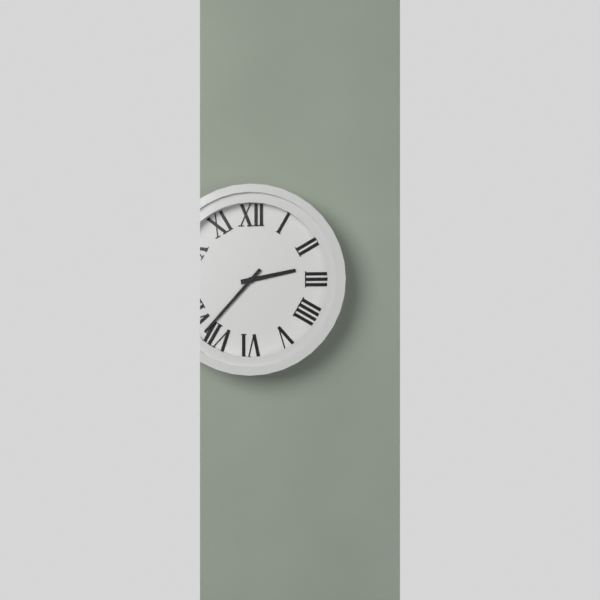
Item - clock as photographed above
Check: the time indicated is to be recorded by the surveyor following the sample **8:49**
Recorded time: **2:37**
